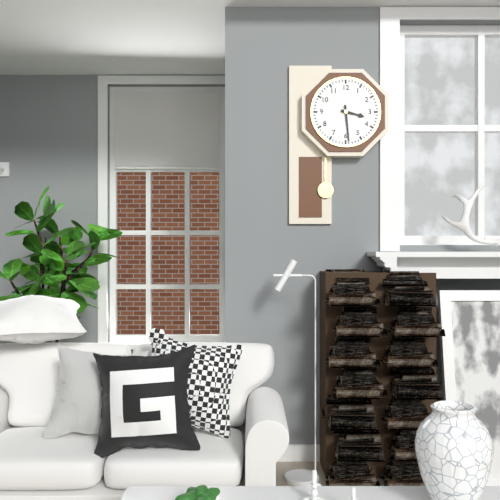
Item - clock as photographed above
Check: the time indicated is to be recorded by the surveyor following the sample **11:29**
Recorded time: **3:29**
